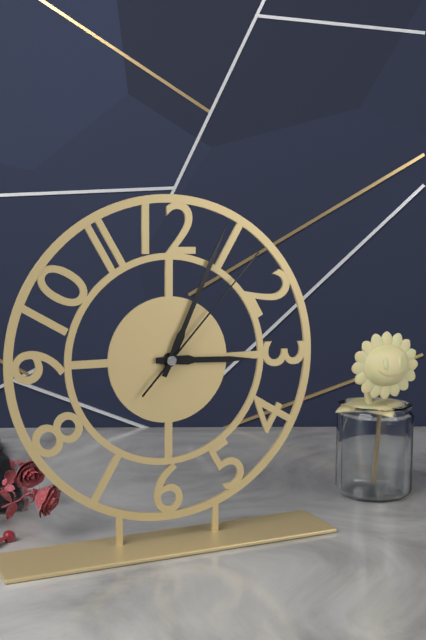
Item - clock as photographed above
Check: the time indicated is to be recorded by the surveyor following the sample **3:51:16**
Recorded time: **3:04:07**
